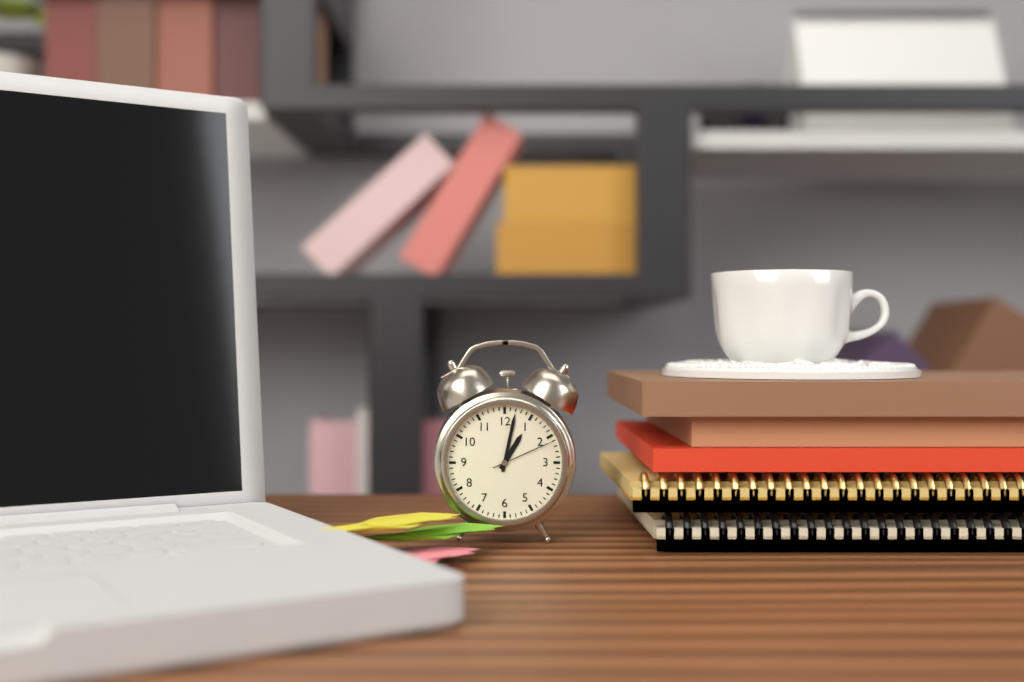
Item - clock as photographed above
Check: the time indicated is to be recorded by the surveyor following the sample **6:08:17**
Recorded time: **1:02:11**
